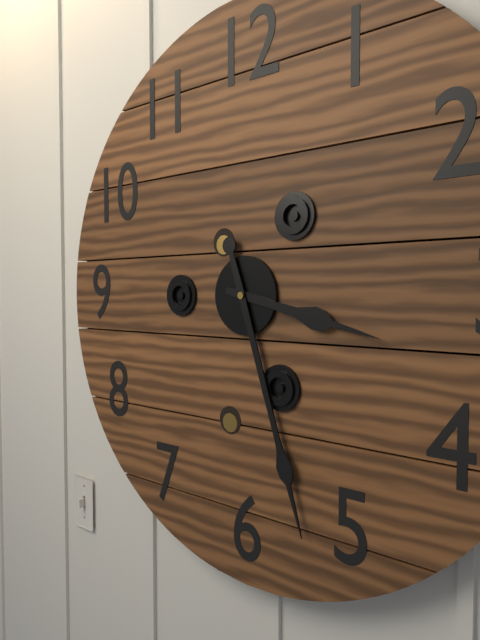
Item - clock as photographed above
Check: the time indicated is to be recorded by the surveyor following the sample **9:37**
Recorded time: **3:27**
